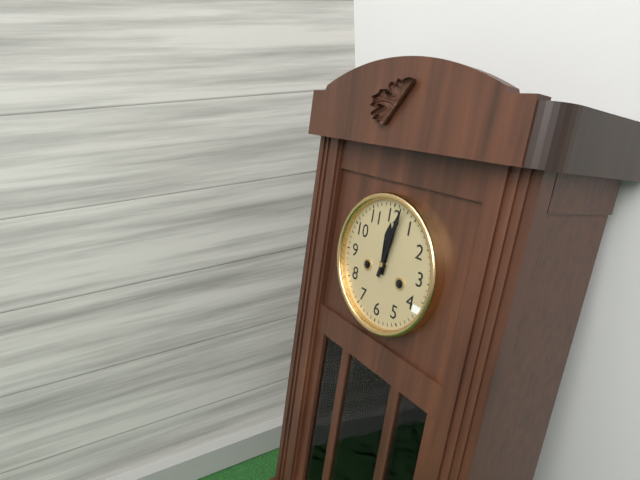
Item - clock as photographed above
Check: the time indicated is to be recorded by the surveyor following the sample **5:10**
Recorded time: **12:02**
